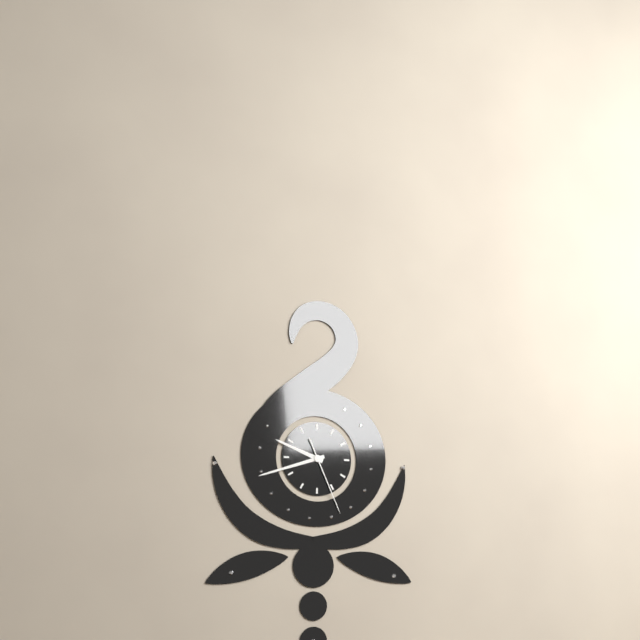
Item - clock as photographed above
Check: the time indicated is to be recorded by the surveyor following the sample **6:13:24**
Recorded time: **9:42:26**
